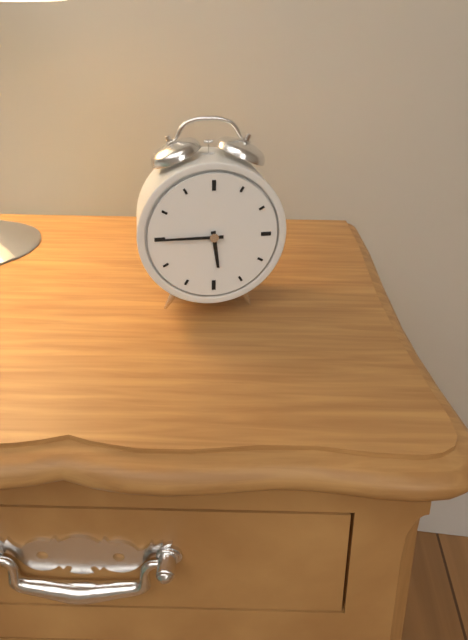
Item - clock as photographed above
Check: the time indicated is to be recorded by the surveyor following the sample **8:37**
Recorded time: **5:45**
